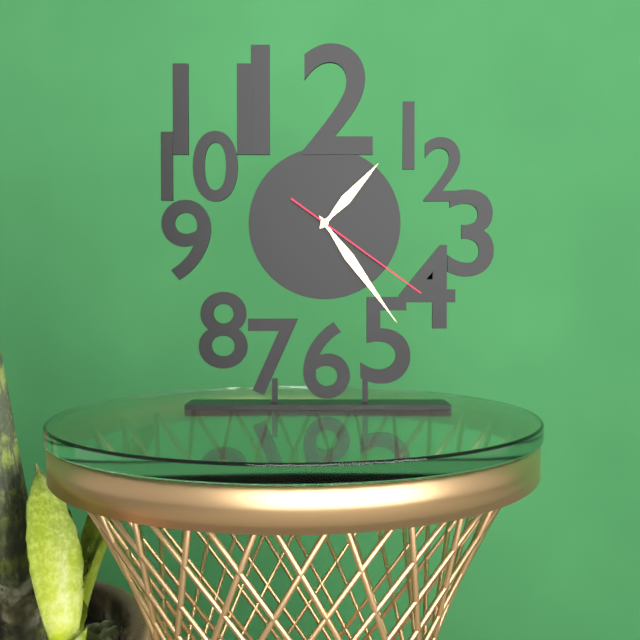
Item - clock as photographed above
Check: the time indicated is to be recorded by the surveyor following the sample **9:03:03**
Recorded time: **1:24:21**
